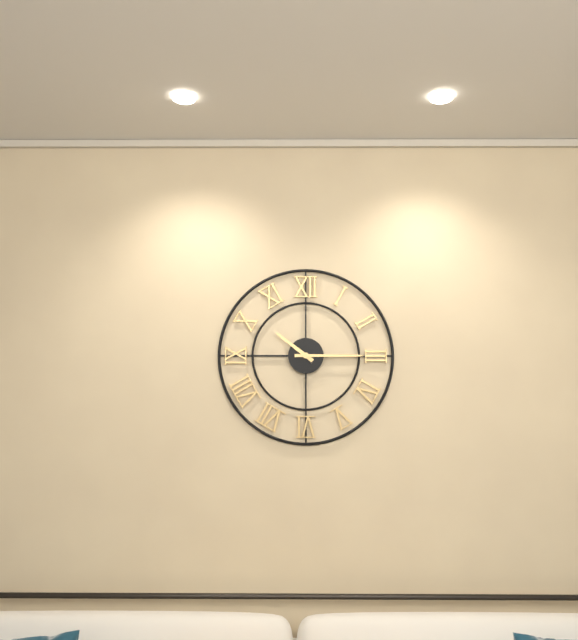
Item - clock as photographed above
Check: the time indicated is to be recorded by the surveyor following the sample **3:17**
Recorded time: **10:15**
